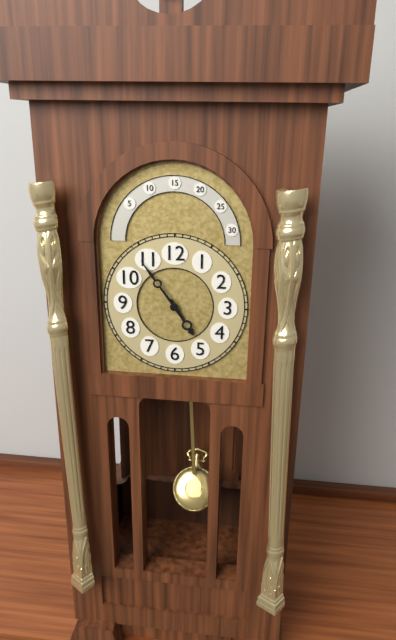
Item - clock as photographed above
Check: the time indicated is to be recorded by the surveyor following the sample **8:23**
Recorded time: **4:54**
